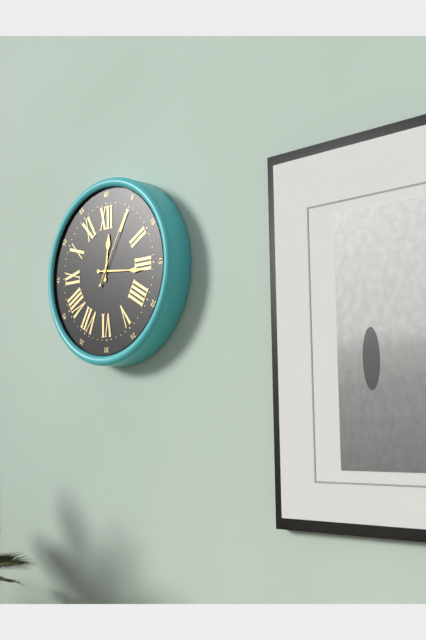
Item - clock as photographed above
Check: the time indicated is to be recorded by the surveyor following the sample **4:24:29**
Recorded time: **12:16:05**
